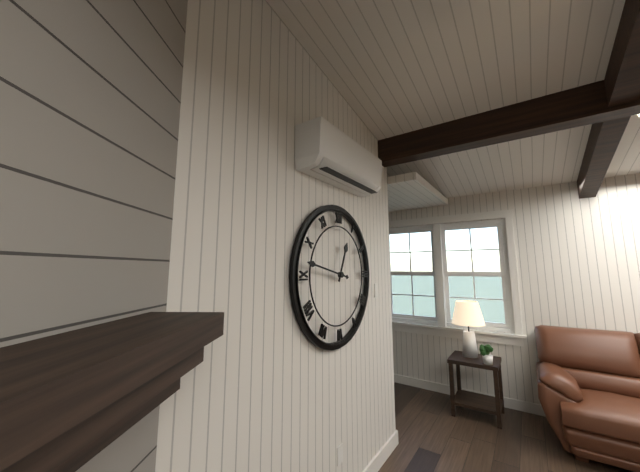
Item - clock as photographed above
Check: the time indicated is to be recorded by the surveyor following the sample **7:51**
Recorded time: **12:47**
